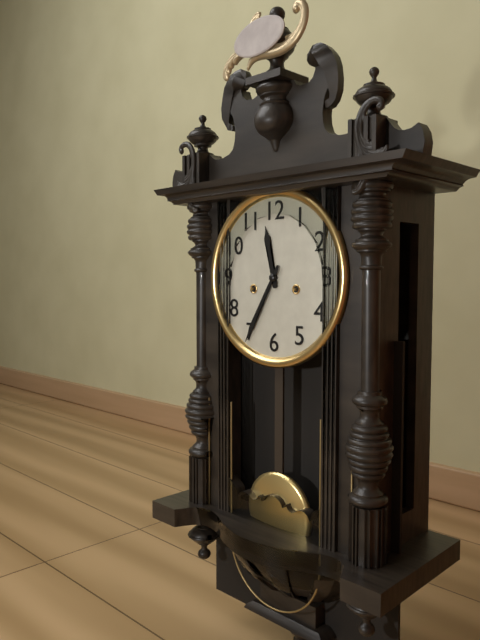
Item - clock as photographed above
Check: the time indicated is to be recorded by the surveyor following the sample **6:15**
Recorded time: **11:35**
